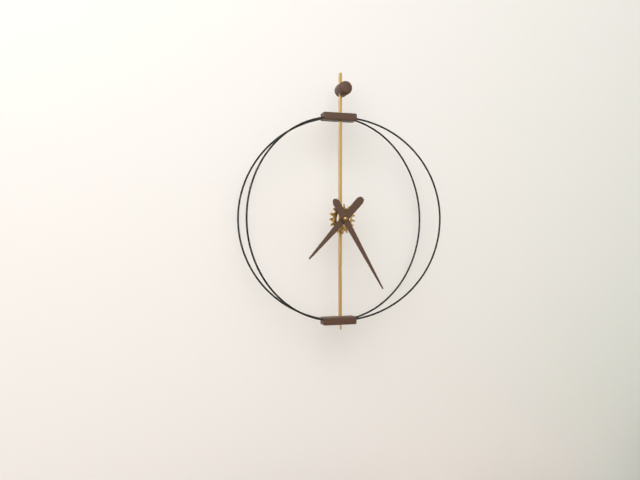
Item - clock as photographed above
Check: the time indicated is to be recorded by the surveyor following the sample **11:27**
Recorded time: **7:25**
